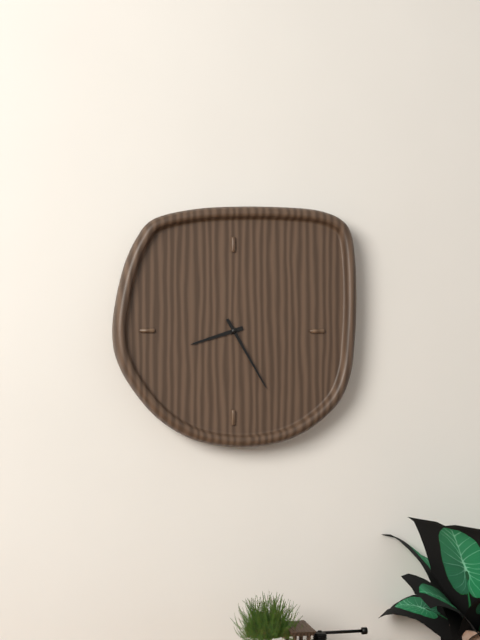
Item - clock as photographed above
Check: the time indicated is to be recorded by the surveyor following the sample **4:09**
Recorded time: **8:25**
